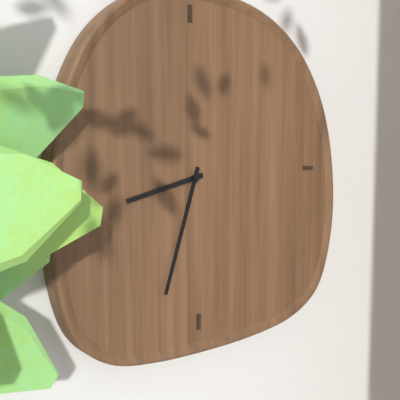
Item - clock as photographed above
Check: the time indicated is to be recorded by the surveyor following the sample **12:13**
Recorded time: **8:33**
